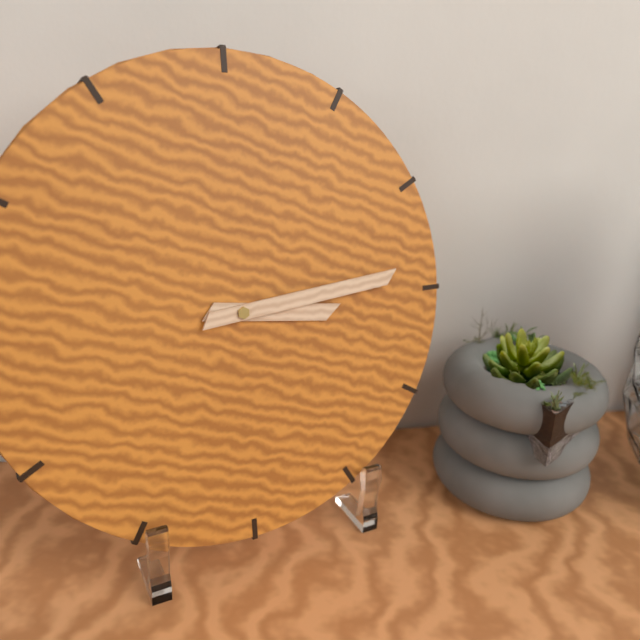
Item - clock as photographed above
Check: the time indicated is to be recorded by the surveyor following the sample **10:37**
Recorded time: **3:14**
